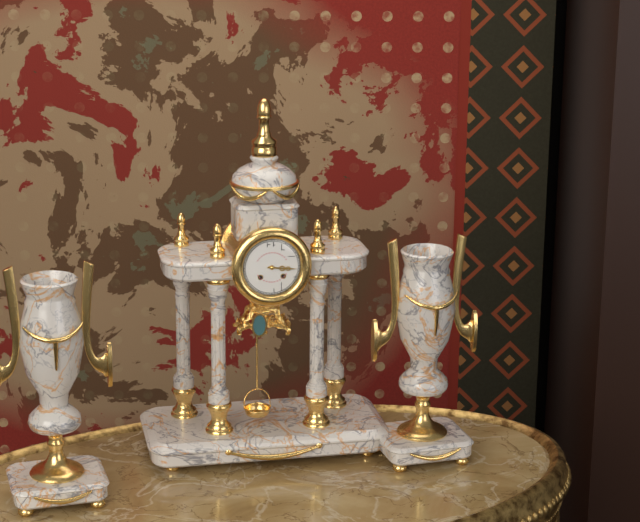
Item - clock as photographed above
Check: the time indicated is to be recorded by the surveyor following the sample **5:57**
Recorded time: **3:16**
